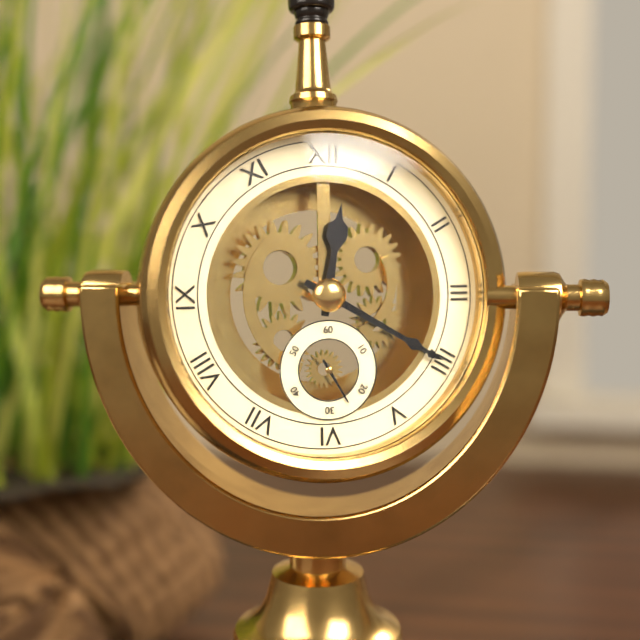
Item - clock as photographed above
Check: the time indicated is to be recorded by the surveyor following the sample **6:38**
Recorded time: **12:20**
